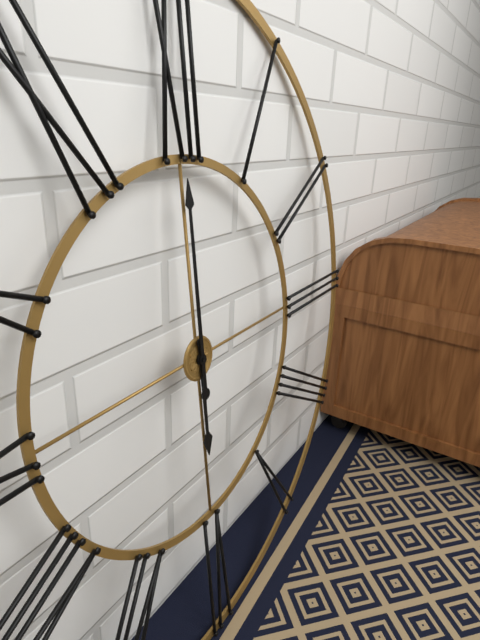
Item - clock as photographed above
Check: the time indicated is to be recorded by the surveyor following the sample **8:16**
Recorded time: **6:00**
